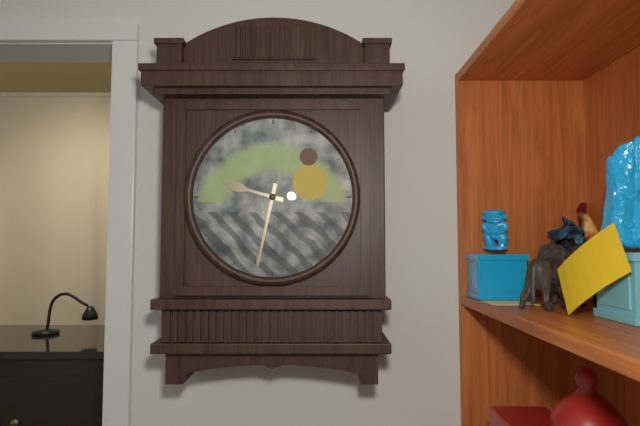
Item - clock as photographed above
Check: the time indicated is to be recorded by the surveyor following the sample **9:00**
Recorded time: **9:32**
